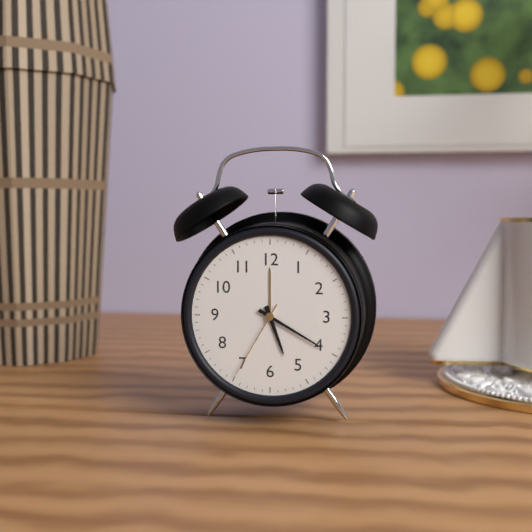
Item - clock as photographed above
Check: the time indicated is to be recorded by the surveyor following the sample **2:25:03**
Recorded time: **5:20:35**
